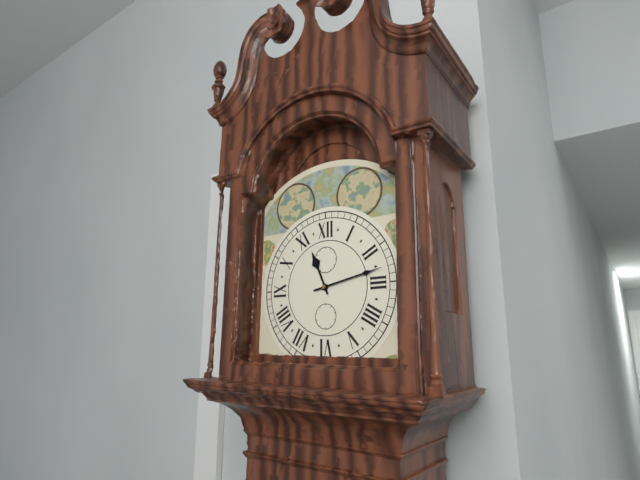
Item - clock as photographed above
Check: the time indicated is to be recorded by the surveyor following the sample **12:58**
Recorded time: **11:13**
